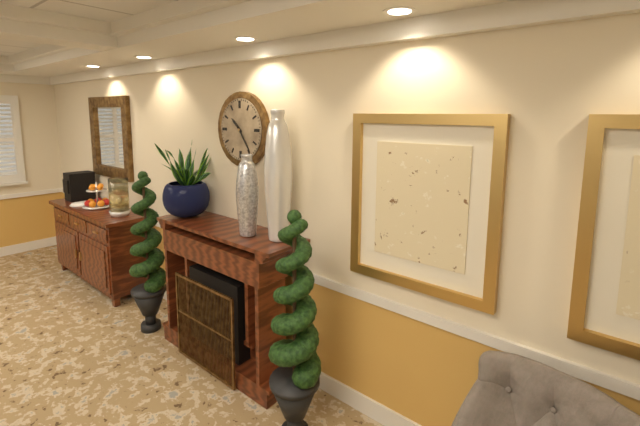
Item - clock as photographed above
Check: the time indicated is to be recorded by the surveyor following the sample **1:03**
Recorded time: **10:24**
